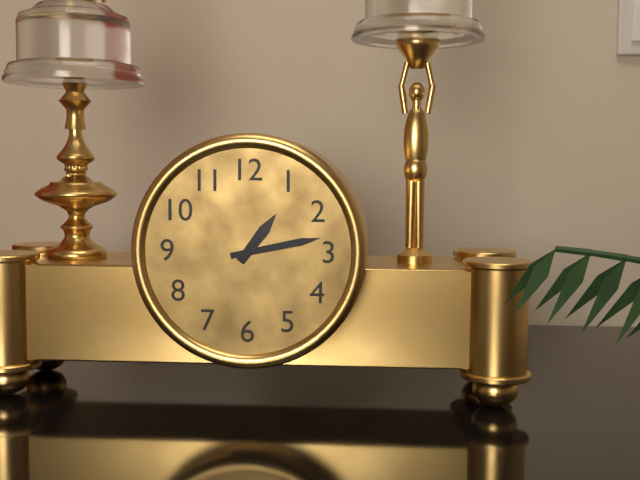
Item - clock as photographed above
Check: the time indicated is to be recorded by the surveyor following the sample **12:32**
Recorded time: **1:13**
